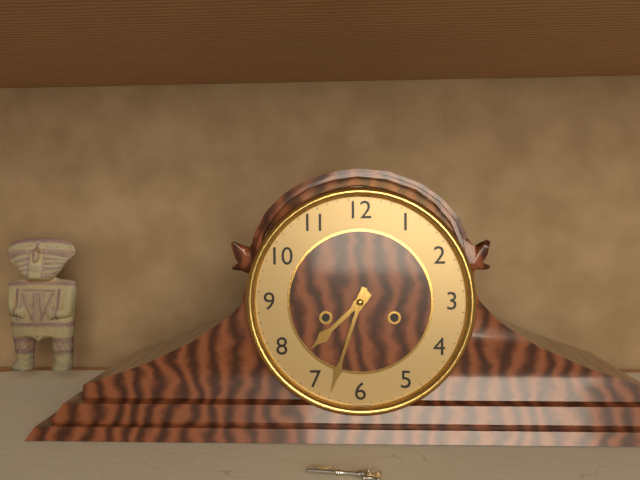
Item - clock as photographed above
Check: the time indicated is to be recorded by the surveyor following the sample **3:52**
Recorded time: **7:33**
